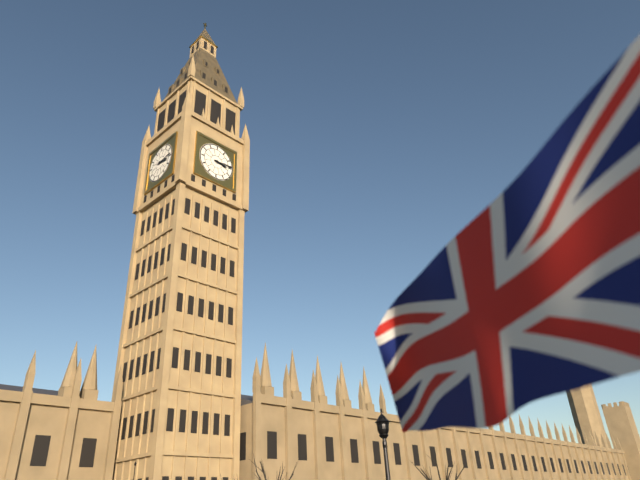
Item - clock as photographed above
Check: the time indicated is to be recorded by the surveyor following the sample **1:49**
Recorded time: **3:14**
